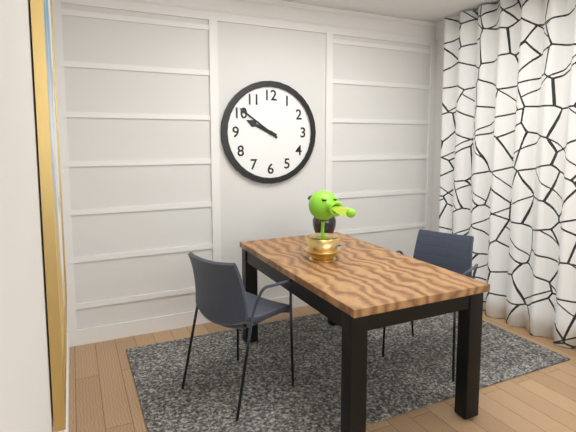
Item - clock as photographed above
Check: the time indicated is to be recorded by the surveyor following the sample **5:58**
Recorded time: **9:51**
